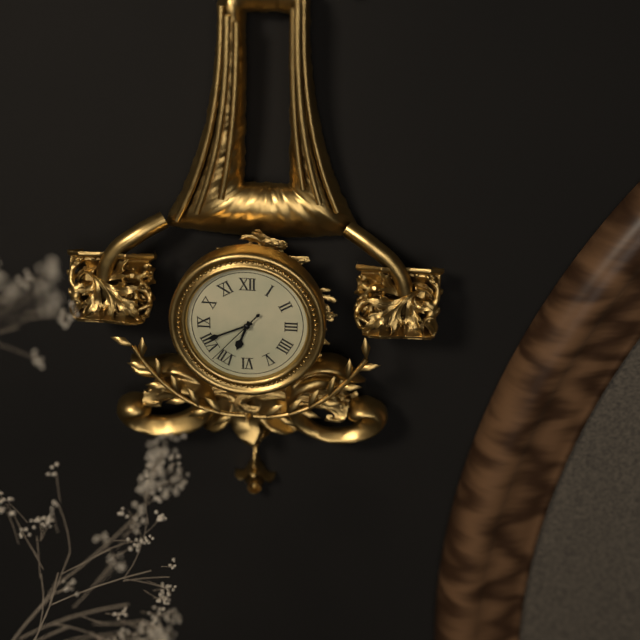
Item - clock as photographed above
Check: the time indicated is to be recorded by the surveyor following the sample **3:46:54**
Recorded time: **6:41:37**
